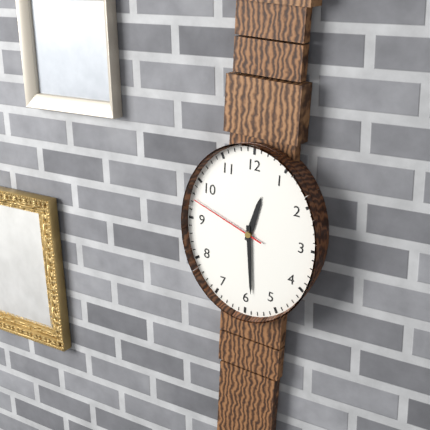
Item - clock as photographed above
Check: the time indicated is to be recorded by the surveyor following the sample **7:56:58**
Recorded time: **12:29:48**
